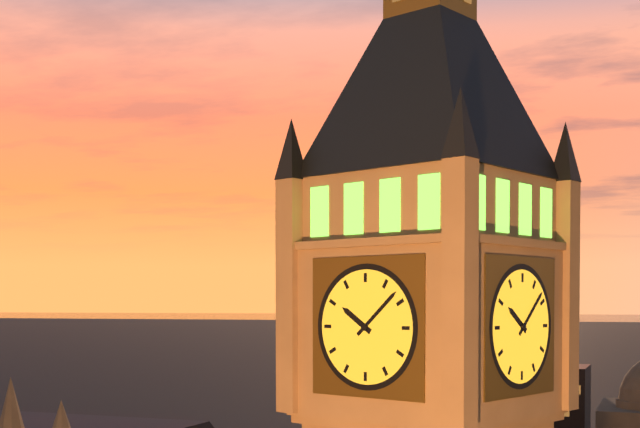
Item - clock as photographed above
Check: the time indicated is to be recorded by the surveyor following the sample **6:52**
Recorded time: **10:08**
